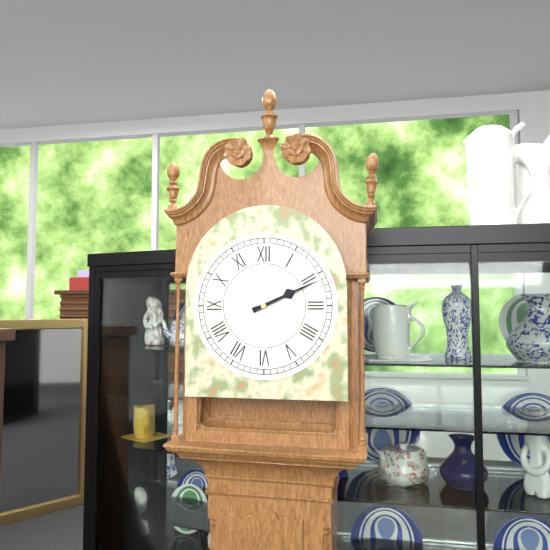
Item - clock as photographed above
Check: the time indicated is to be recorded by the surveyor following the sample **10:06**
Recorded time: **2:11**
